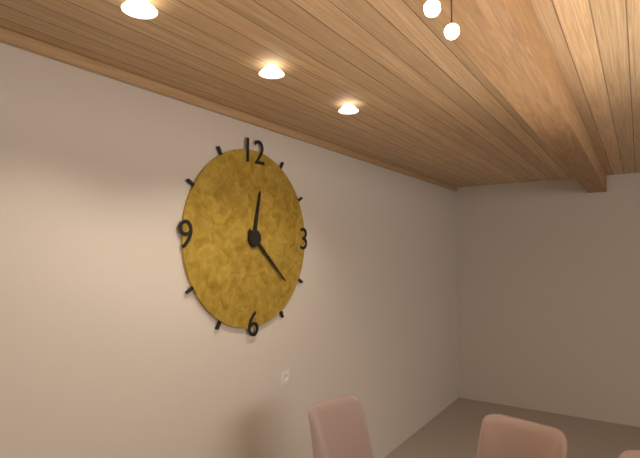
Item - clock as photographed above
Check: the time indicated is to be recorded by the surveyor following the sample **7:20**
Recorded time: **12:22**
